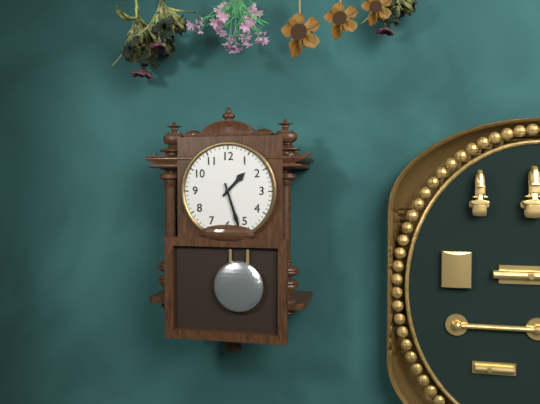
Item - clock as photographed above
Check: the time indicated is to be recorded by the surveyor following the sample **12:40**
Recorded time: **1:27**
